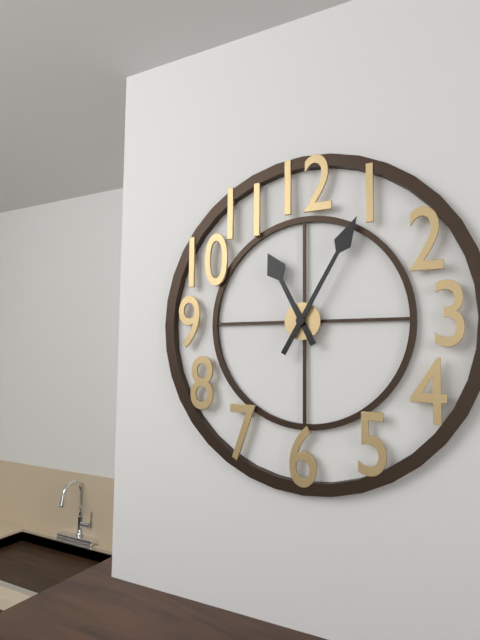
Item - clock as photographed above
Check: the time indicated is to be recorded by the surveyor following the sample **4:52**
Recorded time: **11:05**
